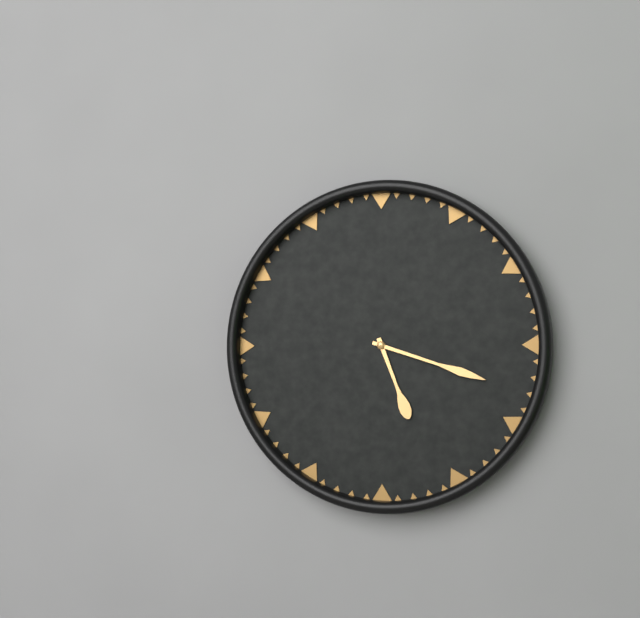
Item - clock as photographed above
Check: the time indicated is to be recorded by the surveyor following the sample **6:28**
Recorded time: **5:18**
